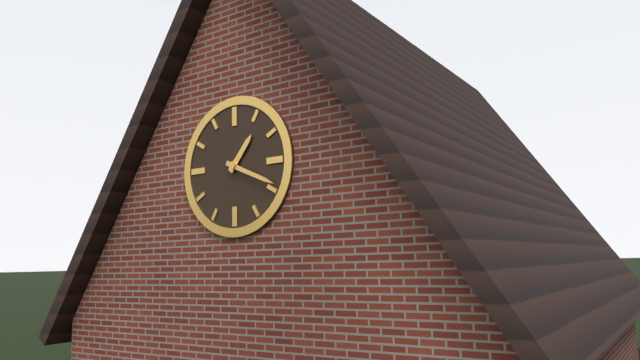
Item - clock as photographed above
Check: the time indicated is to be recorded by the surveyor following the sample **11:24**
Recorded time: **1:19**
